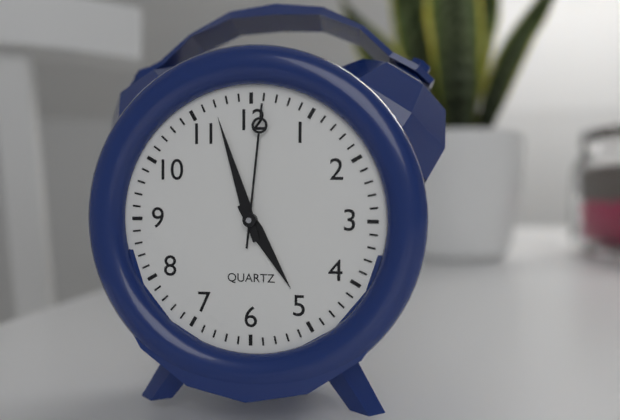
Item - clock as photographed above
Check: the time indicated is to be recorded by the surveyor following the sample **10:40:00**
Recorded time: **4:57:01**
